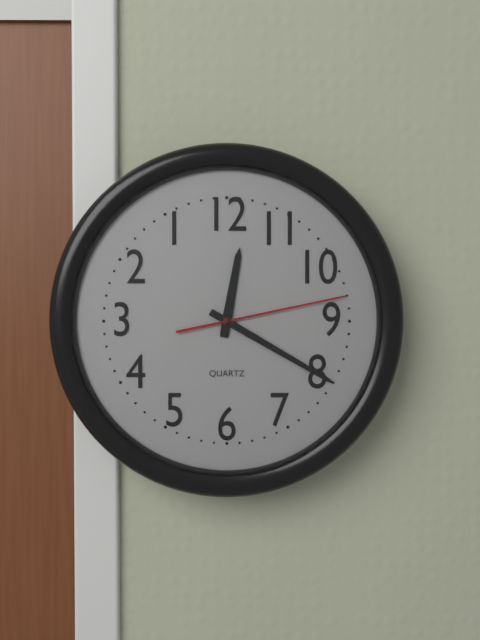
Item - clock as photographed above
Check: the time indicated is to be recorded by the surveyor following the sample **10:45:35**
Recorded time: **12:20:13**
